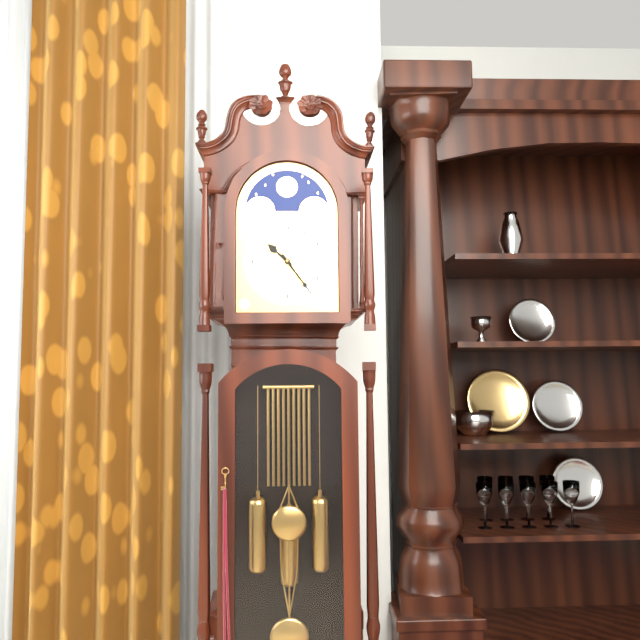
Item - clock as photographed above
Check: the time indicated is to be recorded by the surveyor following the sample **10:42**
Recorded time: **10:24**
